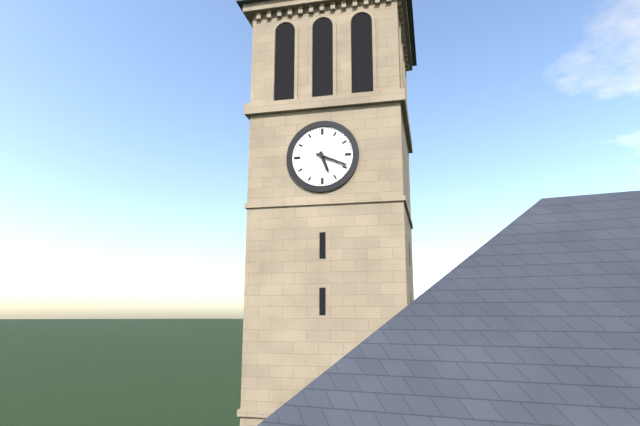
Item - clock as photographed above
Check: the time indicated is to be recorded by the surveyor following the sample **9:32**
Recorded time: **5:19**
